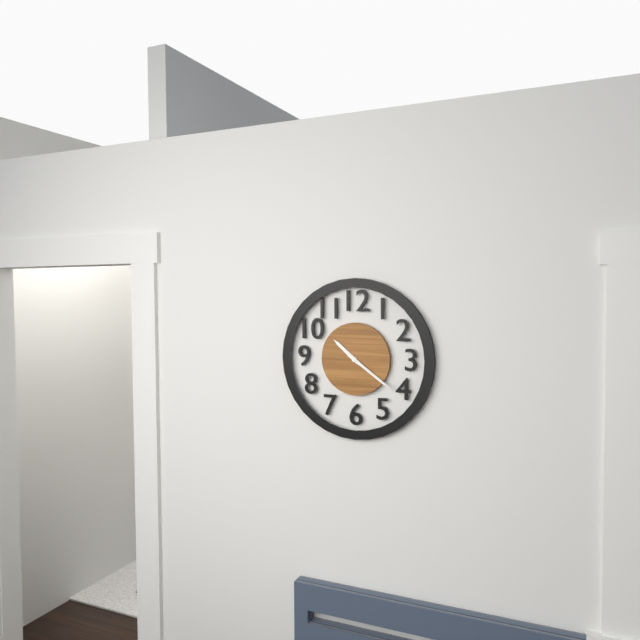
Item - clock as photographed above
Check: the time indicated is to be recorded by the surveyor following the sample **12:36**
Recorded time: **10:21**
